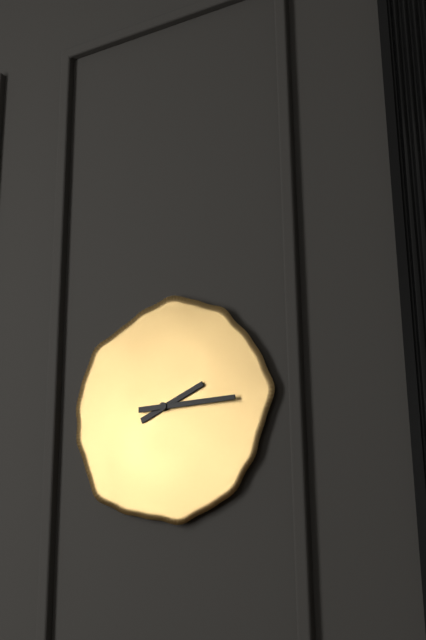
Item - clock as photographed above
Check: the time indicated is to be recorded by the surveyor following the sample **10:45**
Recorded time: **2:15**
